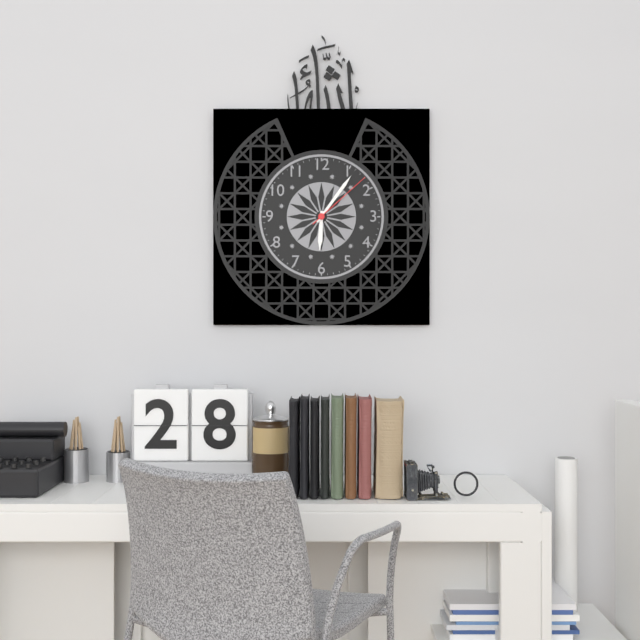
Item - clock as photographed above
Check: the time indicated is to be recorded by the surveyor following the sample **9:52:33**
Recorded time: **6:06:08**
